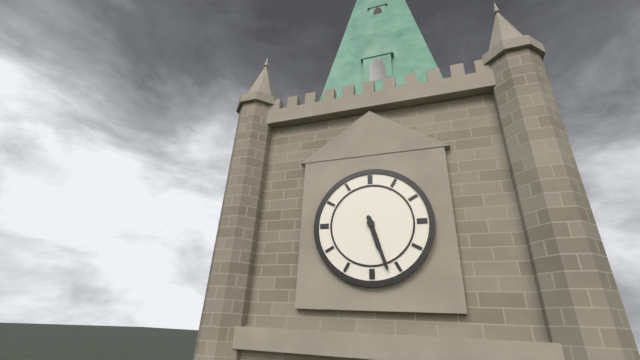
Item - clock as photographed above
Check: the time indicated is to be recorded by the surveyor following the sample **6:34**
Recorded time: **5:27**
